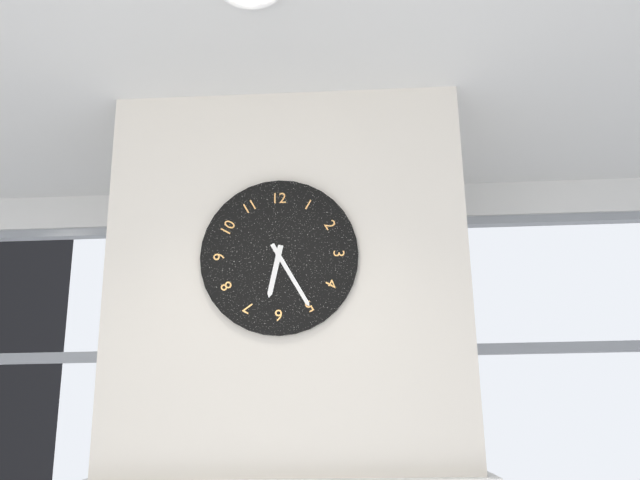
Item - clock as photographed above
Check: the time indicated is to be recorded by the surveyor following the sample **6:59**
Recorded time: **6:25**
